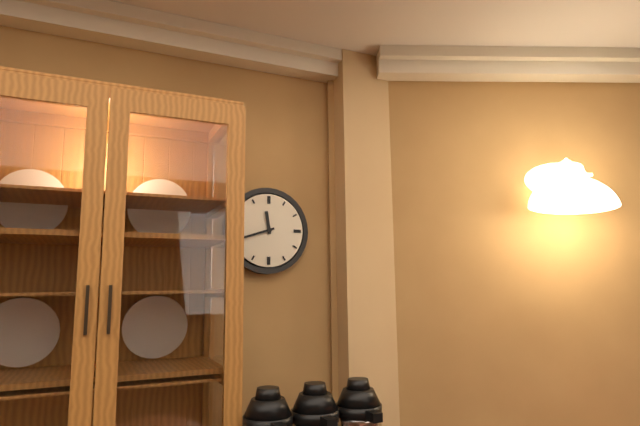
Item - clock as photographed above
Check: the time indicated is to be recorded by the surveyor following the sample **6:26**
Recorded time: **11:42**
